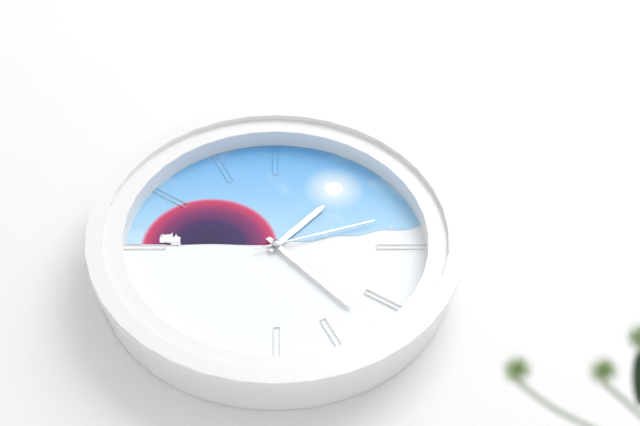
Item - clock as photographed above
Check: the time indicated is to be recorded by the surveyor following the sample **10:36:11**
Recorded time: **1:23:12**
